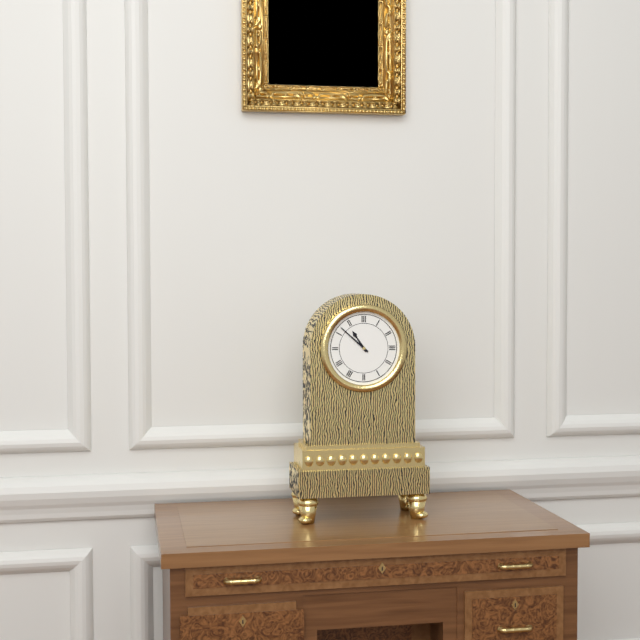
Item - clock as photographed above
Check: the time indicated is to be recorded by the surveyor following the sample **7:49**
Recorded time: **10:52**
